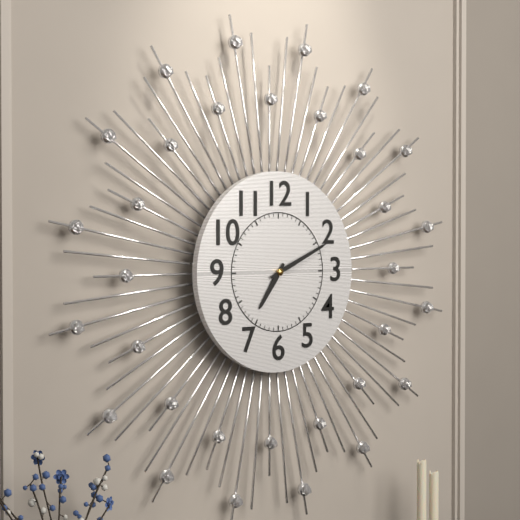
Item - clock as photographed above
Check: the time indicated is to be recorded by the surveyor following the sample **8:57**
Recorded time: **7:11**
